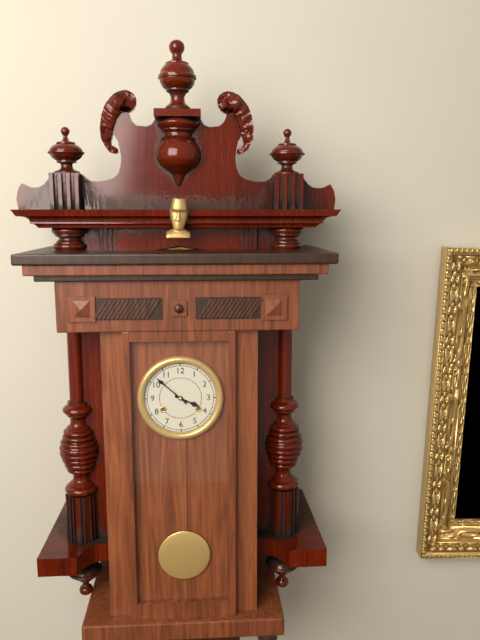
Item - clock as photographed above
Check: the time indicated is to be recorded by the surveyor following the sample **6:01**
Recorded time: **3:52**
